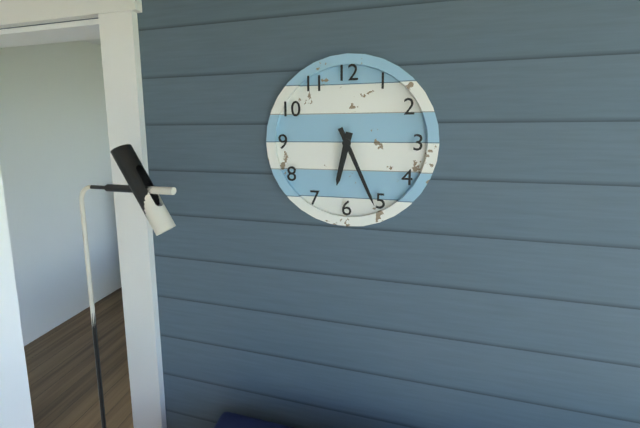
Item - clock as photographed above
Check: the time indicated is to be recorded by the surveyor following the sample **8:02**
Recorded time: **6:26**
